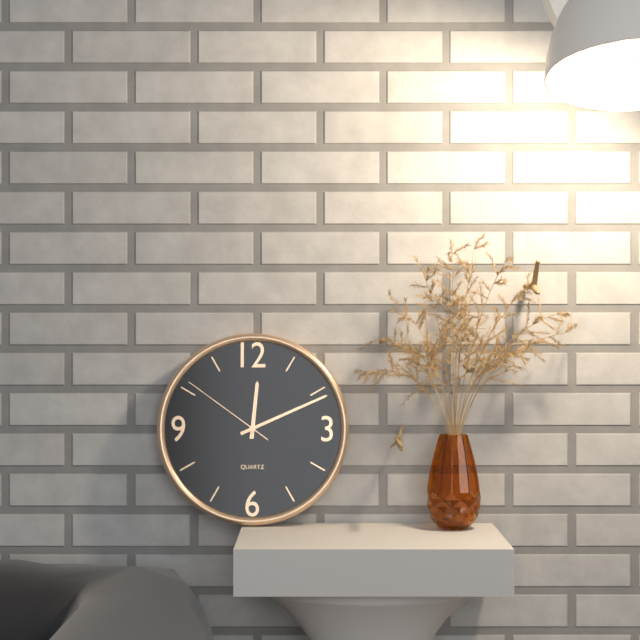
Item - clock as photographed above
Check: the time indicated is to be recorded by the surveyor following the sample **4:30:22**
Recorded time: **12:11:51**
